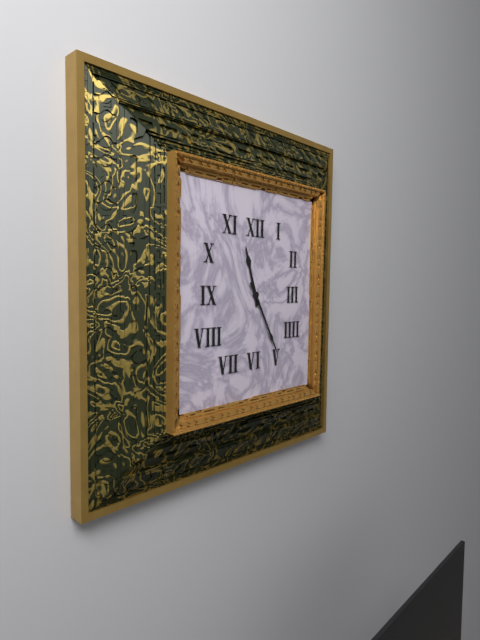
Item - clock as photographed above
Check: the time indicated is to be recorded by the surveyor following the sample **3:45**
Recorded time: **11:25**
